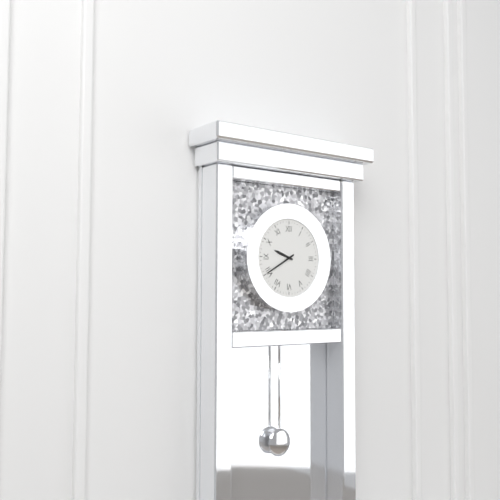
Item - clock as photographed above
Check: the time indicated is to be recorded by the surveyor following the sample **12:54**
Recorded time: **9:40**
